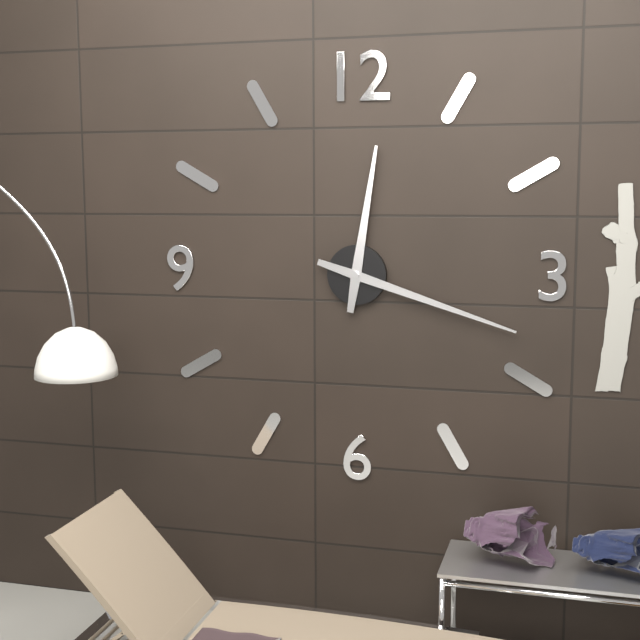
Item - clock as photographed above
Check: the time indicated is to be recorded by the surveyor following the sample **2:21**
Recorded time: **12:18**
